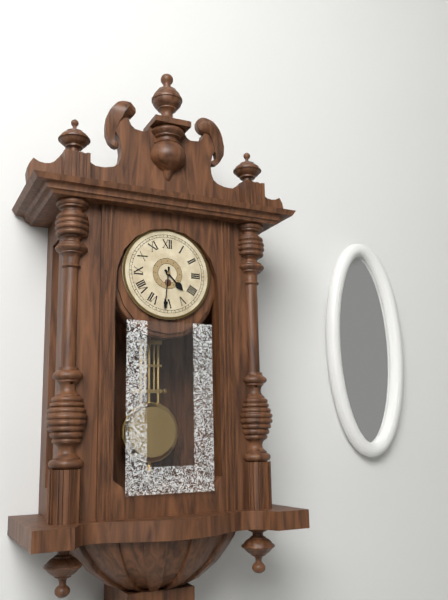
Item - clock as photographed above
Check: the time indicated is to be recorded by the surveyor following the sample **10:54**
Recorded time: **4:31**
